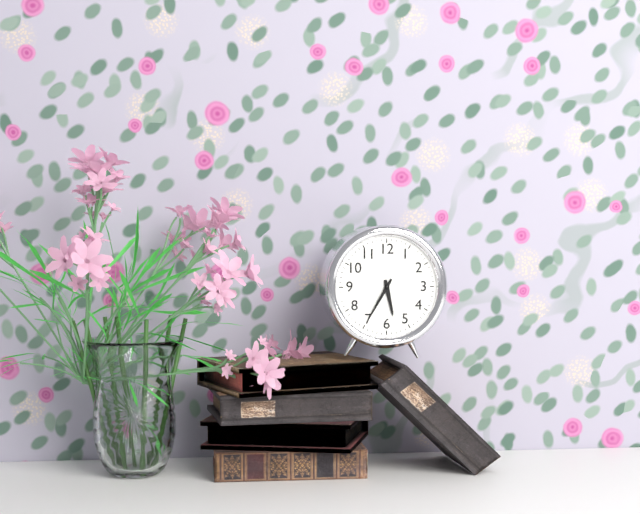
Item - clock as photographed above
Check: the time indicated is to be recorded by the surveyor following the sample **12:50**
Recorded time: **5:35**
